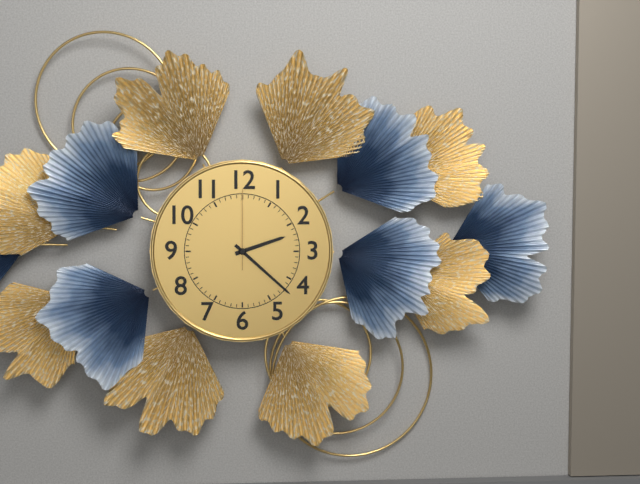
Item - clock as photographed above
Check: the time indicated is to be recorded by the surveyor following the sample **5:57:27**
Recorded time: **2:22:00**
